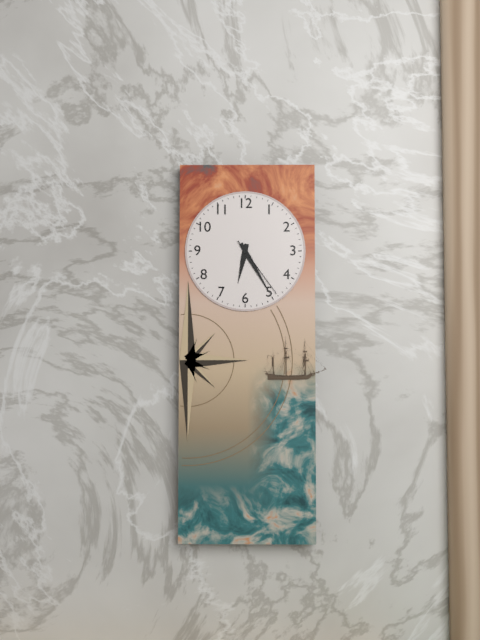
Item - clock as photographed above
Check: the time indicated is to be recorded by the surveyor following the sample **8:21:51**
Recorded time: **6:25:24**
